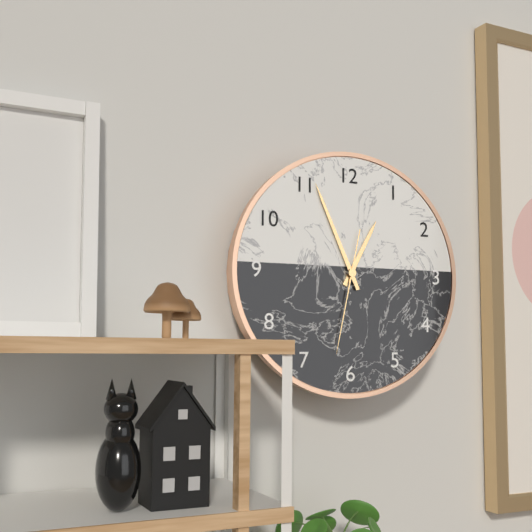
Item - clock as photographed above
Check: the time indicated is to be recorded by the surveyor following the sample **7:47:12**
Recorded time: **12:56:32**
